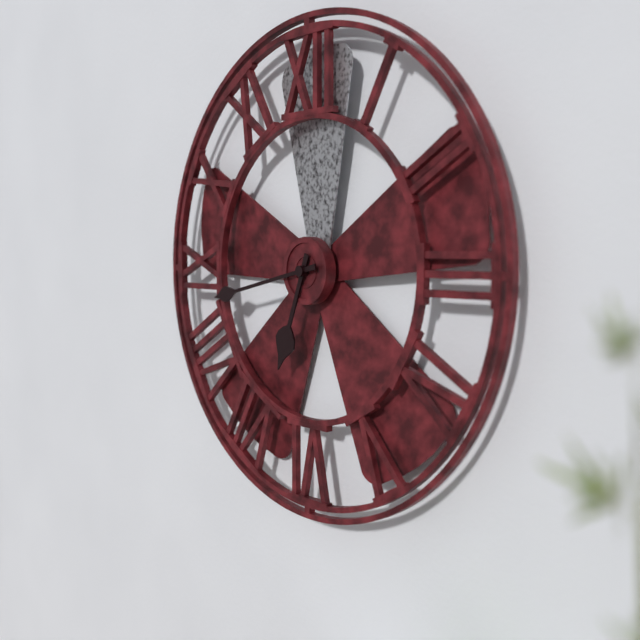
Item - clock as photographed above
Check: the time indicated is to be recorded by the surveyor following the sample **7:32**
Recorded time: **6:43**
